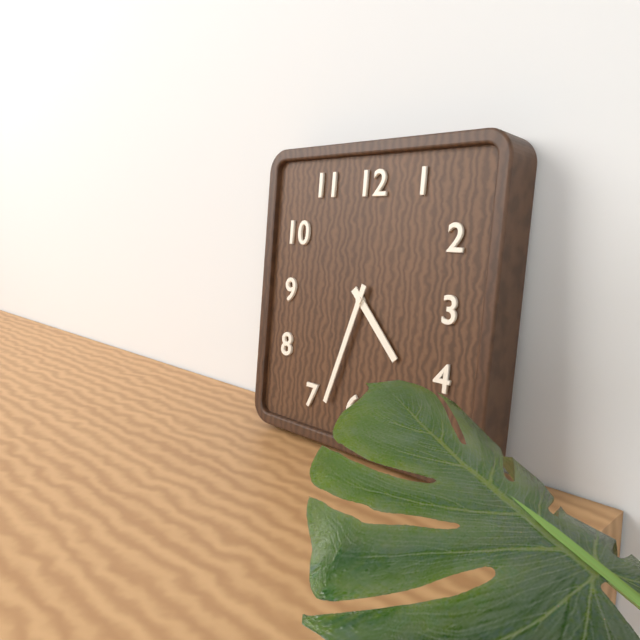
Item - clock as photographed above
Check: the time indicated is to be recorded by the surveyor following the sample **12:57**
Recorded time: **4:33**
